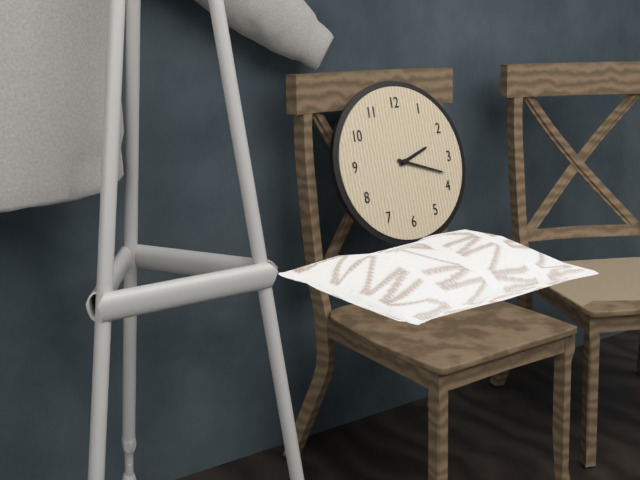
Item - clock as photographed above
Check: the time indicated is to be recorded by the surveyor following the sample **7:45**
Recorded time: **2:18**
